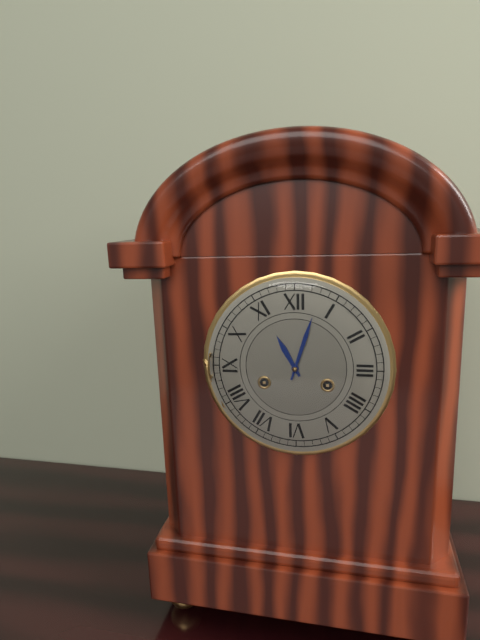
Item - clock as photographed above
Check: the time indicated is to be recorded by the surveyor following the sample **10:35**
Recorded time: **11:03**
